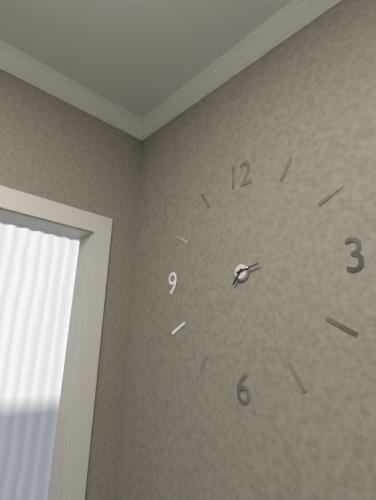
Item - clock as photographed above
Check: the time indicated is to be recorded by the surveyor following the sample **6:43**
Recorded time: **7:13**
